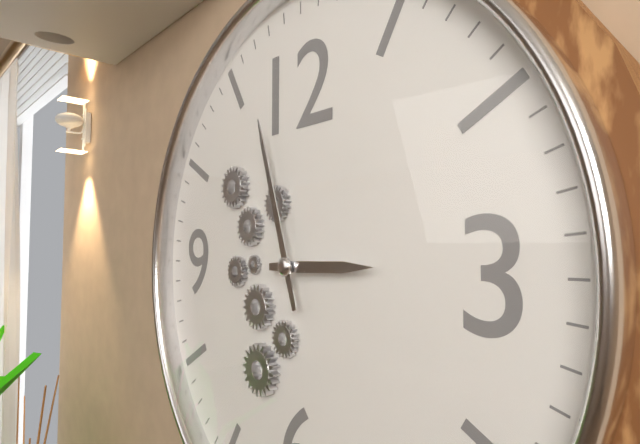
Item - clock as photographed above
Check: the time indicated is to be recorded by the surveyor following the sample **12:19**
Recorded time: **2:57**
